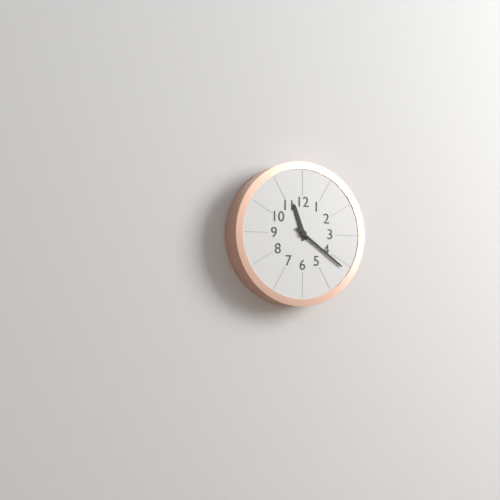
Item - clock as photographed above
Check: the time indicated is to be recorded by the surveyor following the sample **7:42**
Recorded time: **11:21**
